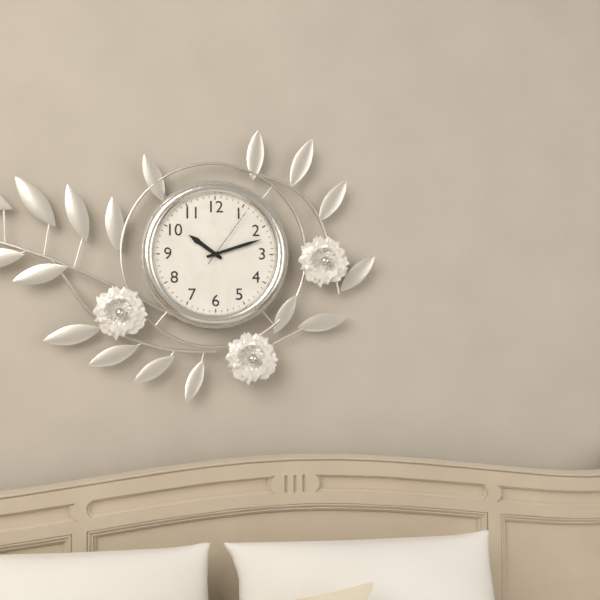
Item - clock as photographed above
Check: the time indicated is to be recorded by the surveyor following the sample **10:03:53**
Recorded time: **10:12:06**
